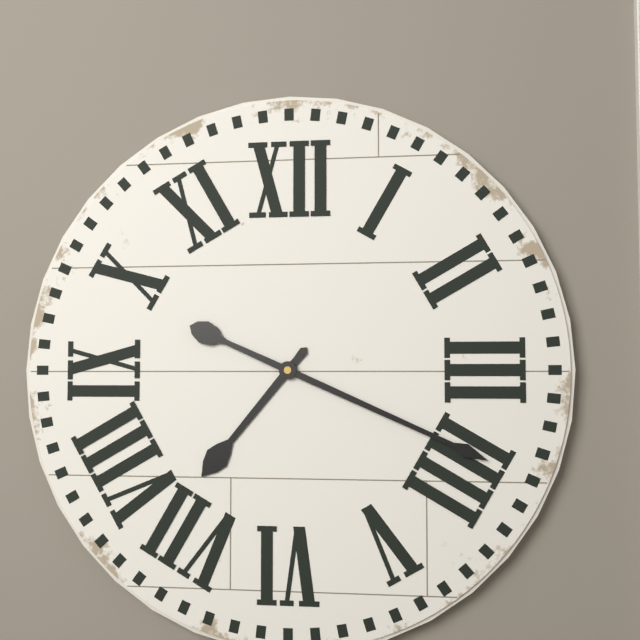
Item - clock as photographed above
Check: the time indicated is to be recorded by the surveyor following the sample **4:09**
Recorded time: **7:19**
